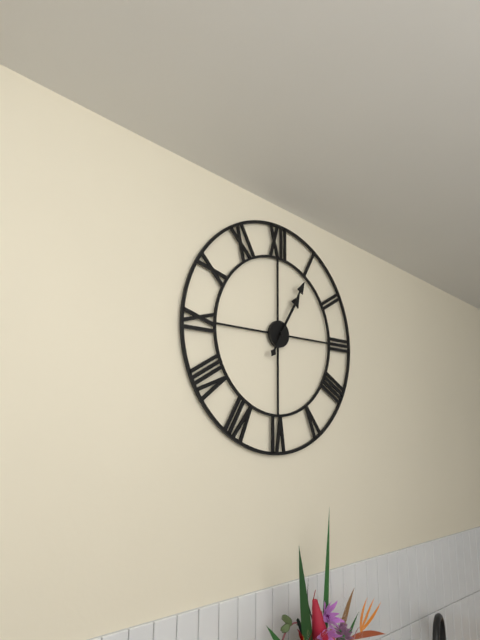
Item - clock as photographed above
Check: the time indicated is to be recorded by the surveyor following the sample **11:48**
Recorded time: **1:05**
